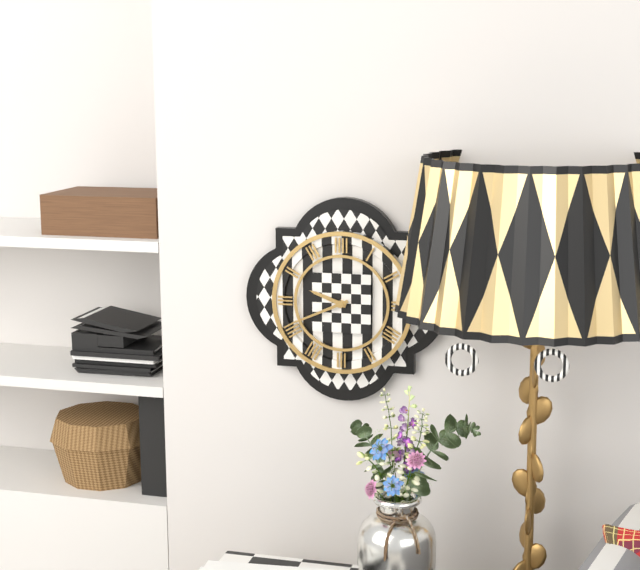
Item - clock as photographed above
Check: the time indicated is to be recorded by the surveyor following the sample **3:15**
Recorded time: **9:41**
